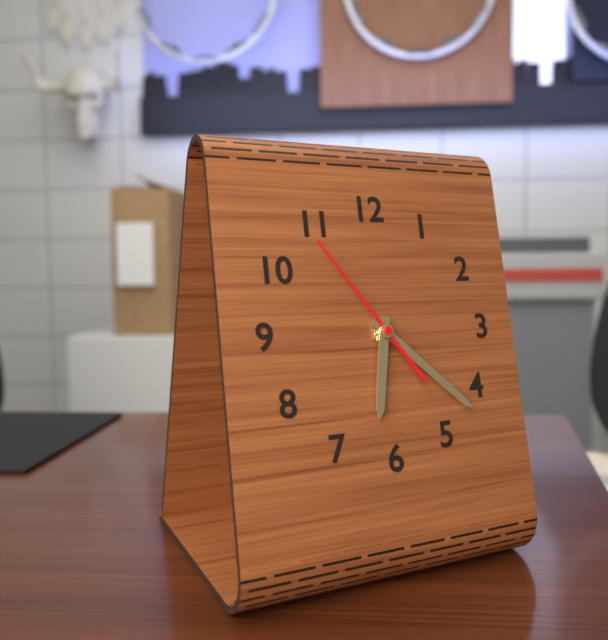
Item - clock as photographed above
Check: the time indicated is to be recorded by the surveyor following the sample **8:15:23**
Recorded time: **6:22:54**
